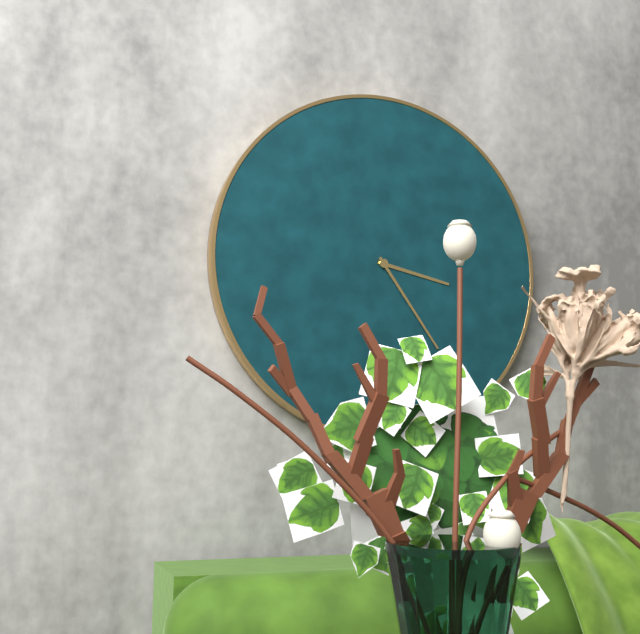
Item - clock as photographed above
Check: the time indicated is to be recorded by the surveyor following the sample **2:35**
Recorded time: **3:24**
